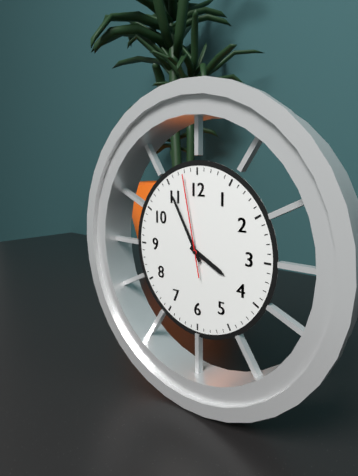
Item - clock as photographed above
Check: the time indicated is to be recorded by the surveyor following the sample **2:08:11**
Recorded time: **3:55:58**
